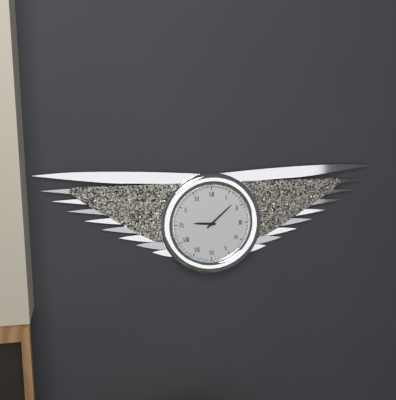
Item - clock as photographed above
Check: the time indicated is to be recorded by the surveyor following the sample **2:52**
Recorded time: **9:08**
